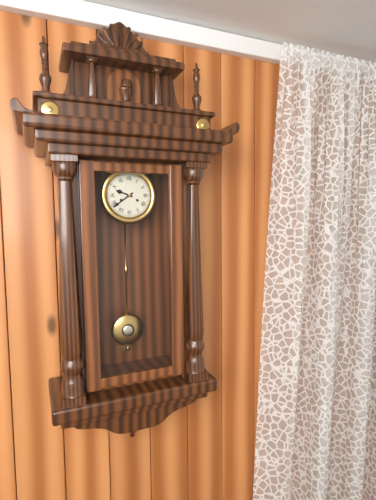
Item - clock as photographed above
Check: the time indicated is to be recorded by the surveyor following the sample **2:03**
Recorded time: **9:39**
